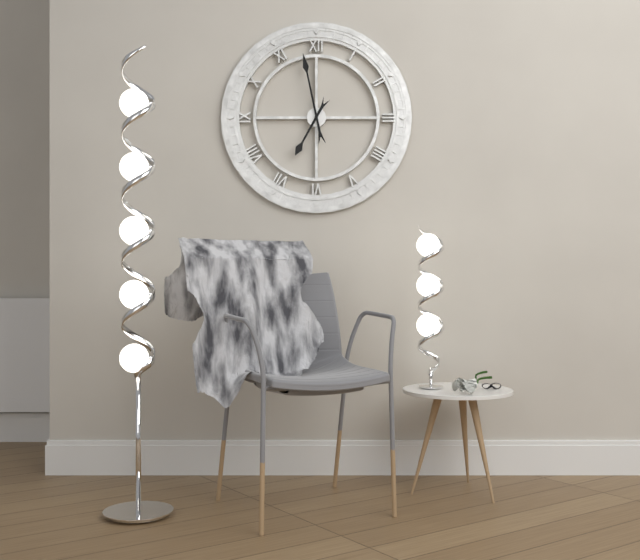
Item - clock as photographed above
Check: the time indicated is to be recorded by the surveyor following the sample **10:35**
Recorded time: **6:58**
